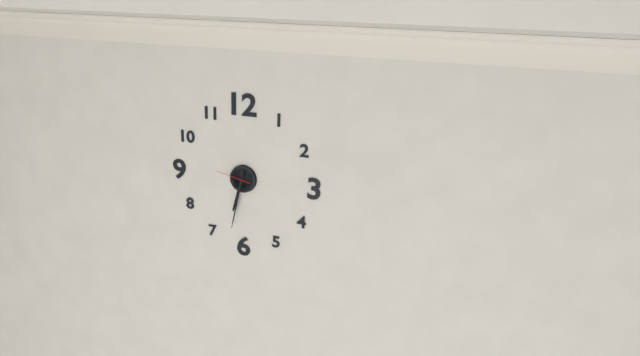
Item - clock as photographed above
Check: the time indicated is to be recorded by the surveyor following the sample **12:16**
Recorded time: **6:32**
